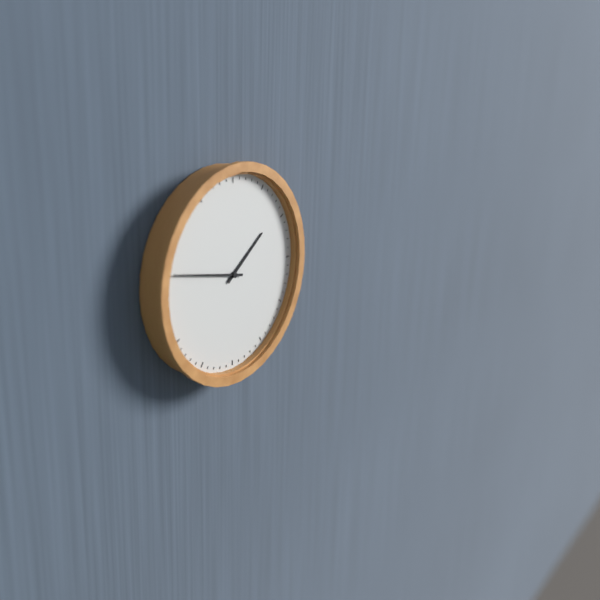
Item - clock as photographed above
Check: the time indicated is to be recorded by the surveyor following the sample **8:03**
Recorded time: **1:47**
